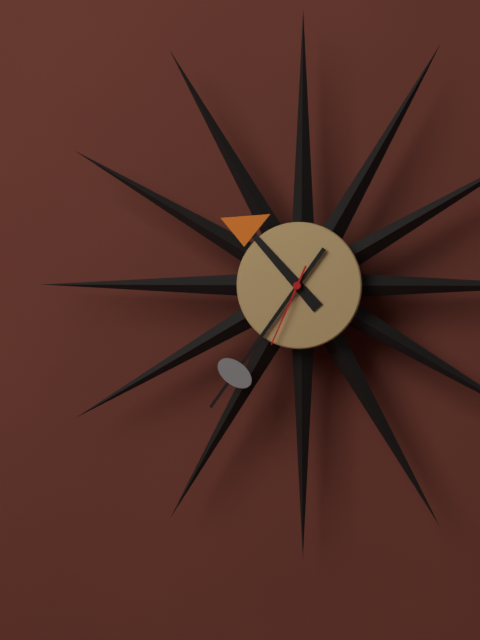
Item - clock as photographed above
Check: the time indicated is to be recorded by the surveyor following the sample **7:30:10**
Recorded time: **10:36:34**
